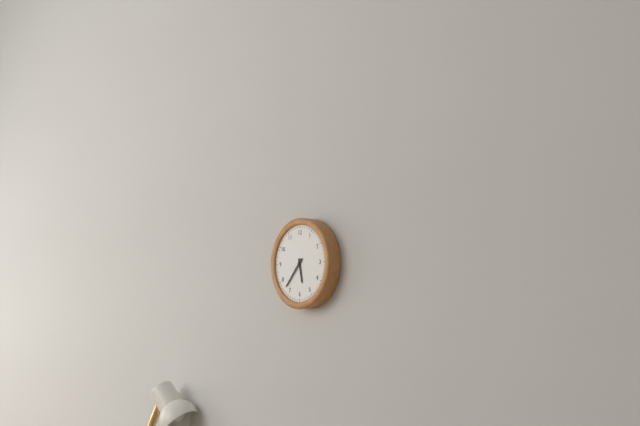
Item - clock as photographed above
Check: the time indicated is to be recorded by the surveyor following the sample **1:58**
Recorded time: **5:37**
